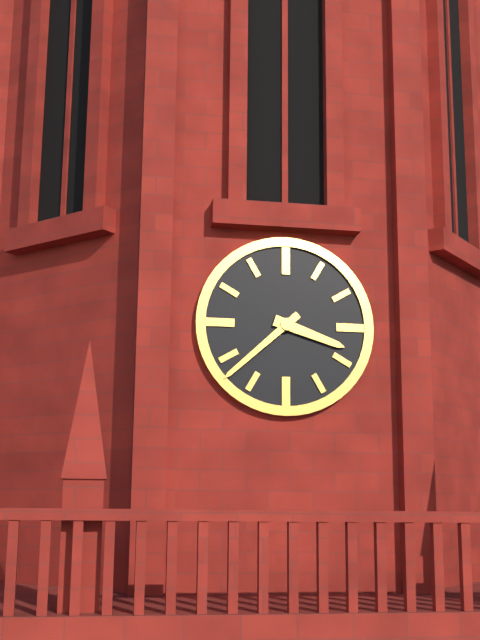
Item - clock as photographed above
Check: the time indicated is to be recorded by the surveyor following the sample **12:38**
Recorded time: **3:38**
